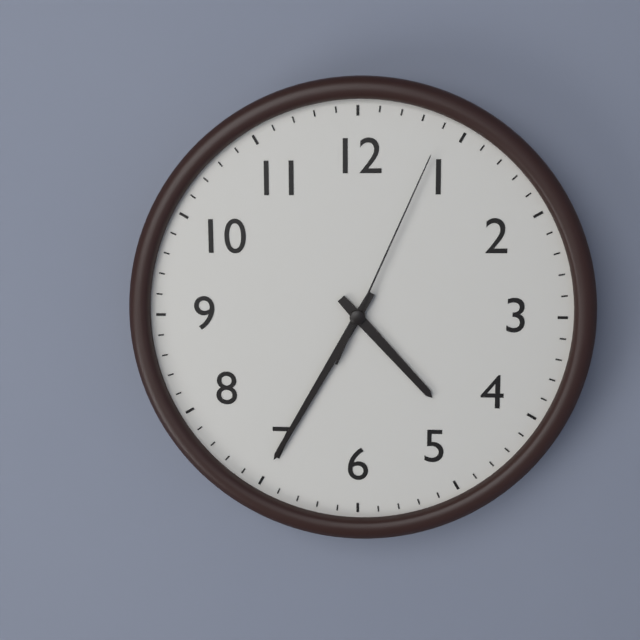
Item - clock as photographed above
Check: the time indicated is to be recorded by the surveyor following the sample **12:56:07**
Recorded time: **4:35:04**
